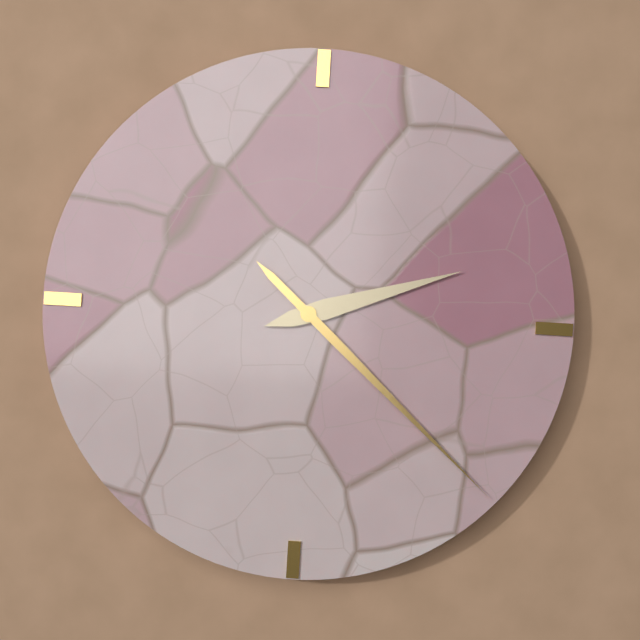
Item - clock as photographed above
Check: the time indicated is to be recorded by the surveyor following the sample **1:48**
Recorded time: **2:22**
